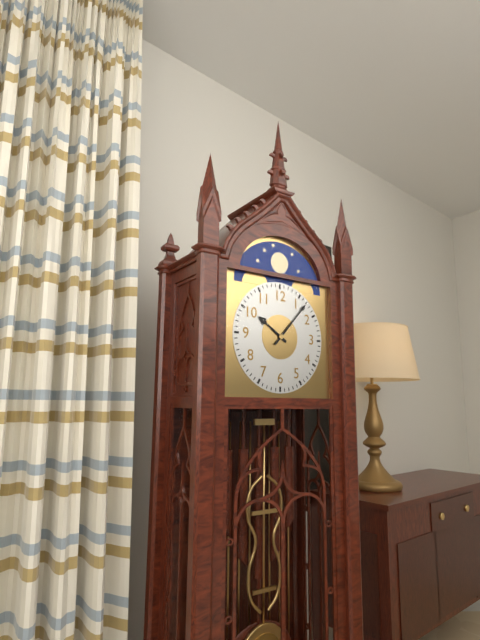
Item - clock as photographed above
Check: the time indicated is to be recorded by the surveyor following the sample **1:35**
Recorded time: **10:07**
